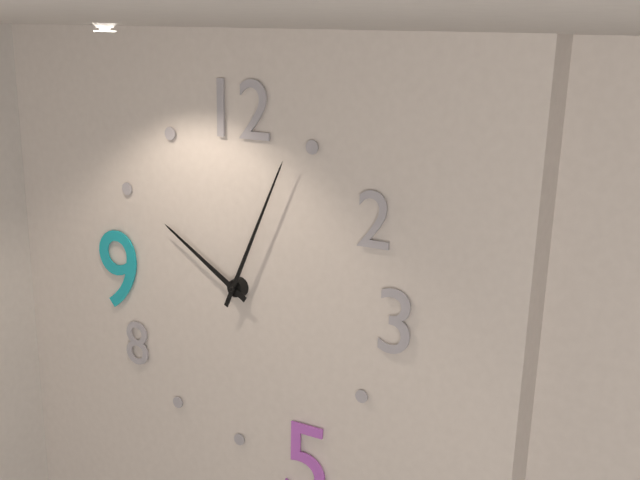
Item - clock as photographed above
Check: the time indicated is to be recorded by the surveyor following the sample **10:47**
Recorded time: **10:04**
